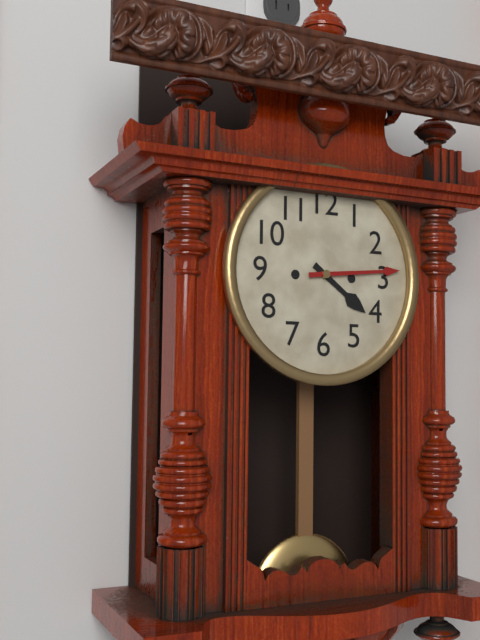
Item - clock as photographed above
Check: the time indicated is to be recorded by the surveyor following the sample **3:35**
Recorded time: **4:14**
